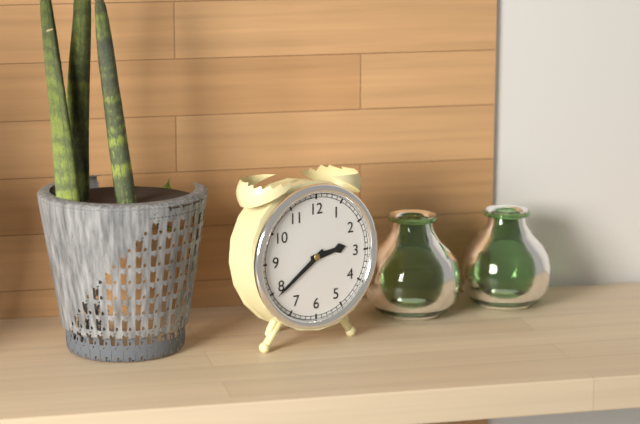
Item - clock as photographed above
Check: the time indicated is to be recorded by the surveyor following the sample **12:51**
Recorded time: **2:39**
